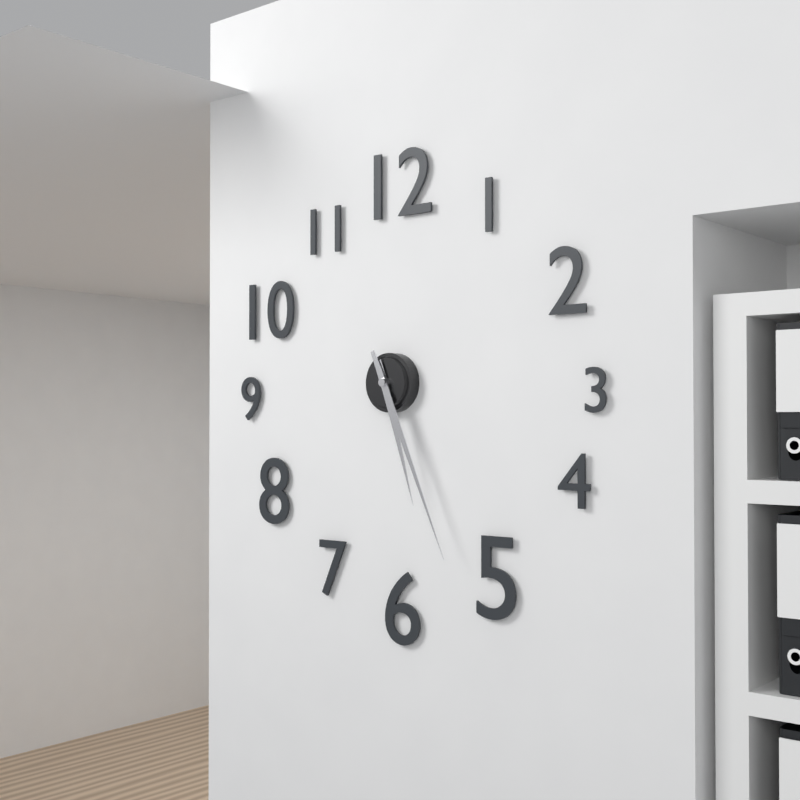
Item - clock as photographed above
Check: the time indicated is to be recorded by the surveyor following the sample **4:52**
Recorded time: **5:26**
